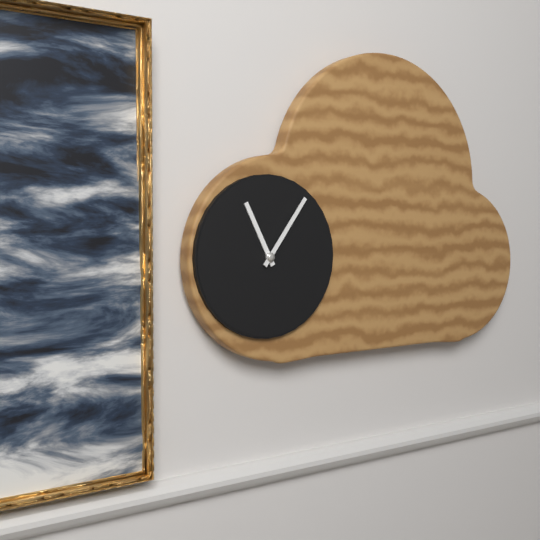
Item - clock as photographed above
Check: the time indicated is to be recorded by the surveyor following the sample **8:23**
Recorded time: **11:06**
